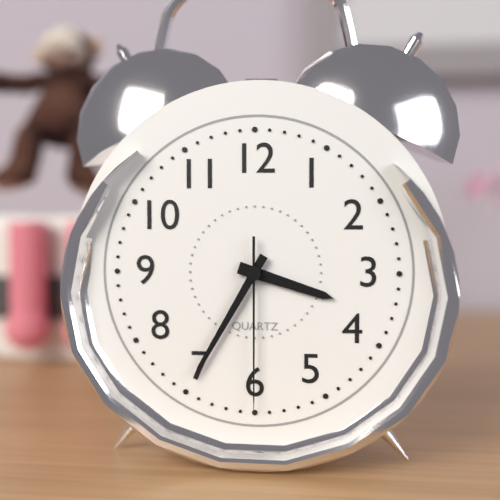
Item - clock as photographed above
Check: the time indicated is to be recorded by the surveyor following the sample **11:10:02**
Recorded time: **3:35:30**
